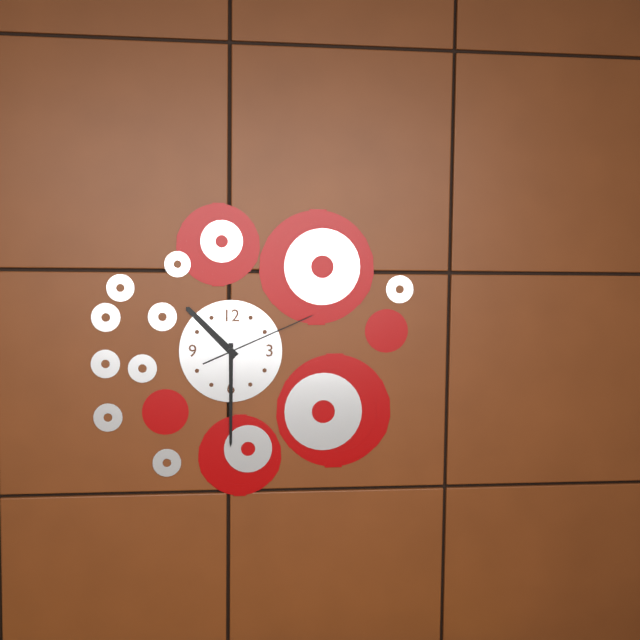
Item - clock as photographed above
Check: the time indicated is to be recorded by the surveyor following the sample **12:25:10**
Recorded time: **10:30:11**
